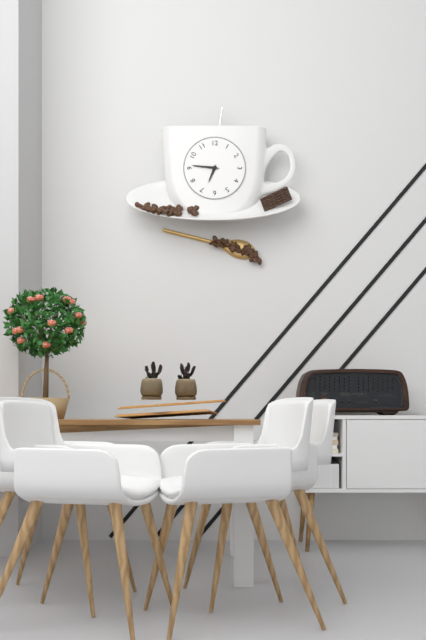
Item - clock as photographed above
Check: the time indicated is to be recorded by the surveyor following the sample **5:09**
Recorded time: **6:46**
